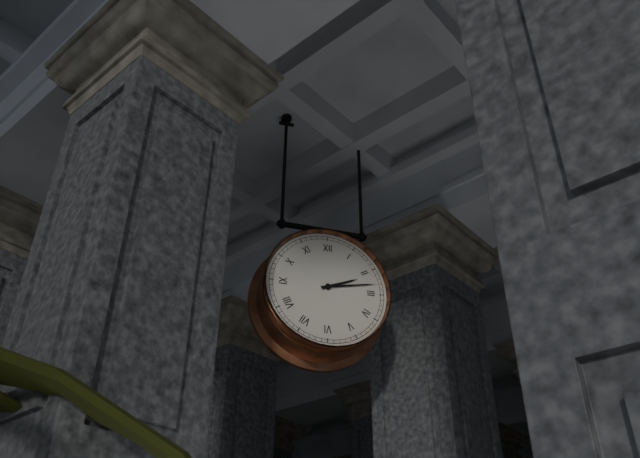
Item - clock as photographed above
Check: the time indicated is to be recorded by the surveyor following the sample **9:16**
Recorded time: **2:13**
